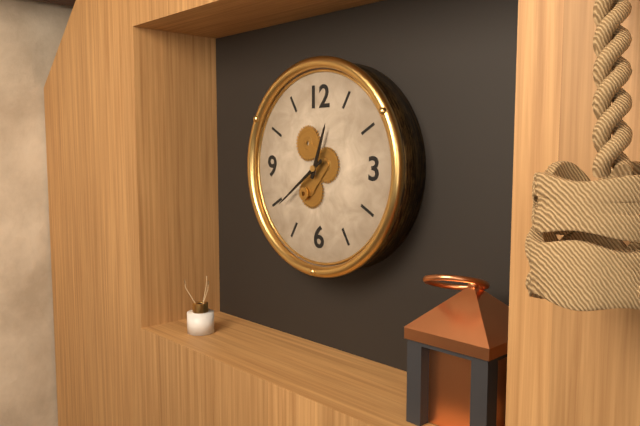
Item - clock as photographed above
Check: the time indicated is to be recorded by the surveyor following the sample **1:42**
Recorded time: **12:39**
